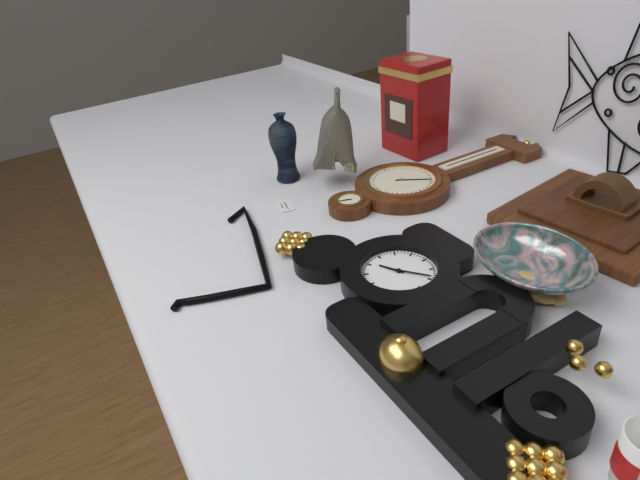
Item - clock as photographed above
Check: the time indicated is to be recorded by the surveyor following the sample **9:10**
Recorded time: **8:09**
